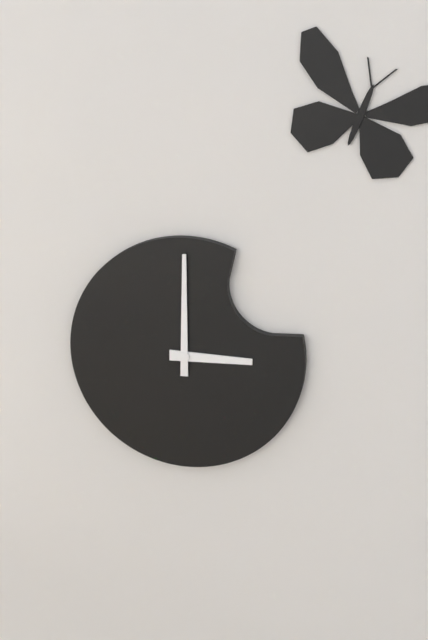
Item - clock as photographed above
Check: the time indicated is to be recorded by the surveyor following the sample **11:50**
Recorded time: **3:00**
